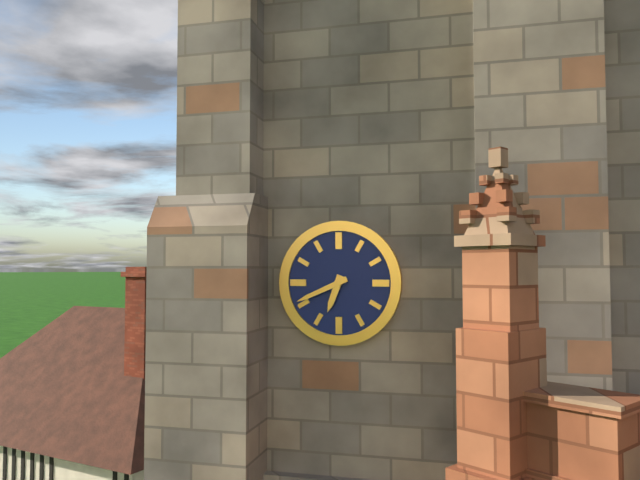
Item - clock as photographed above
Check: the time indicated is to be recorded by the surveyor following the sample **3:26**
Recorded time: **6:41**
